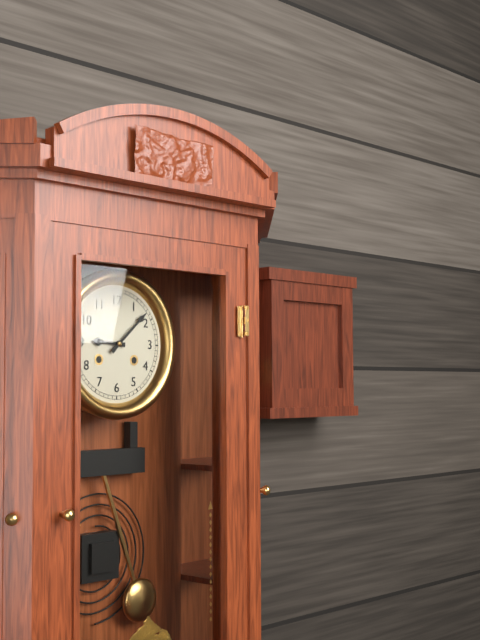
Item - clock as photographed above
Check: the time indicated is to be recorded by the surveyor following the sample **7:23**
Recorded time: **9:08**
